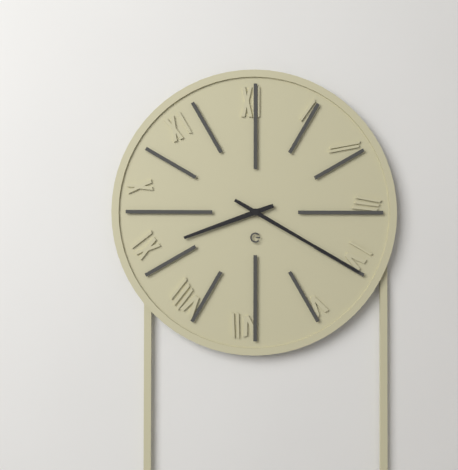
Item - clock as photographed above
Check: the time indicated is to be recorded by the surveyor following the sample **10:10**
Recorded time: **8:20**
